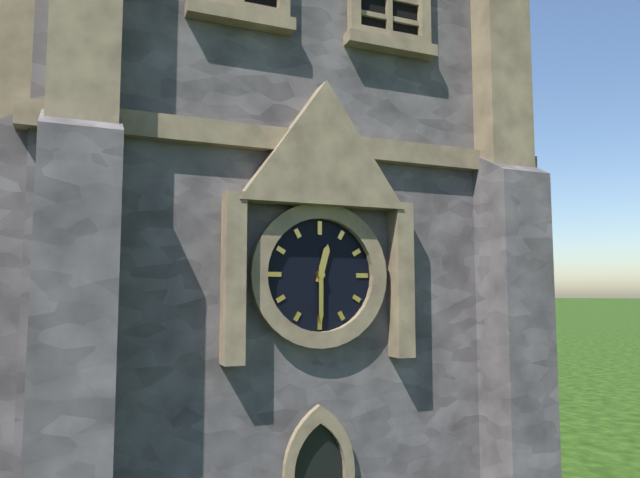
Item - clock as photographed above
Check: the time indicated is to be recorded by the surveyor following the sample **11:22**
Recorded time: **12:30**
